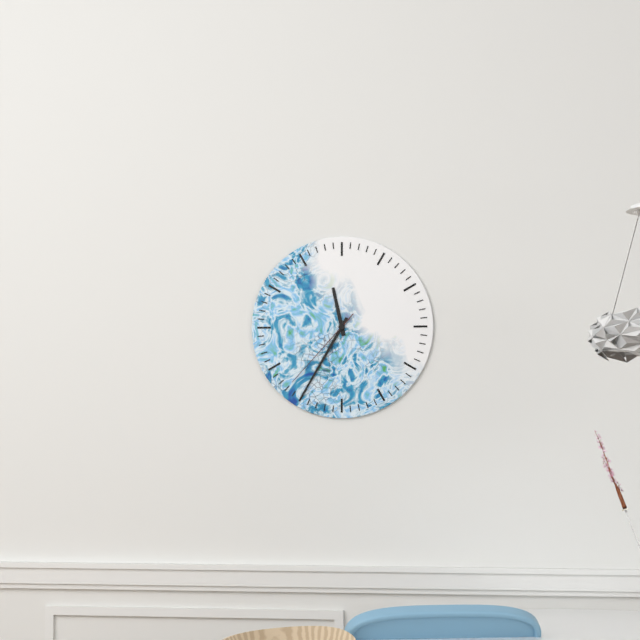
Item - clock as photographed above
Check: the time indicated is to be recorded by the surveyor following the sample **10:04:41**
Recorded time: **11:35:37**
